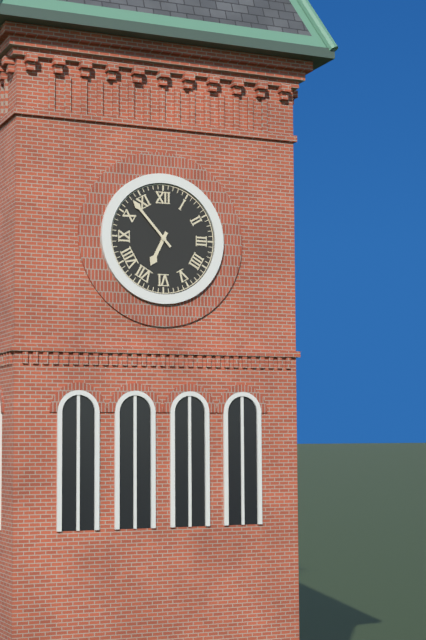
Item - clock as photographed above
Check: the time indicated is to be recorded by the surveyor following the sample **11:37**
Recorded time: **6:53**
